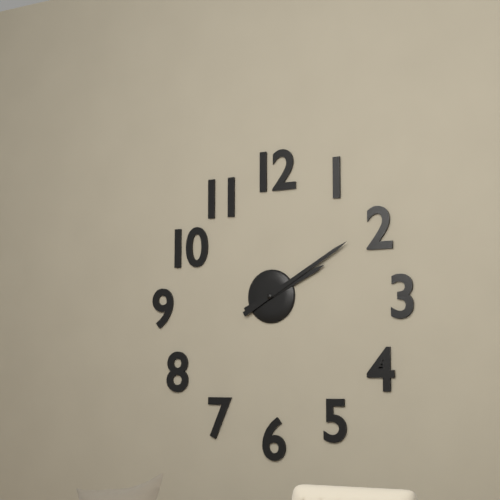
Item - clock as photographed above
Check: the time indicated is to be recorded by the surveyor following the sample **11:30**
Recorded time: **2:10**
